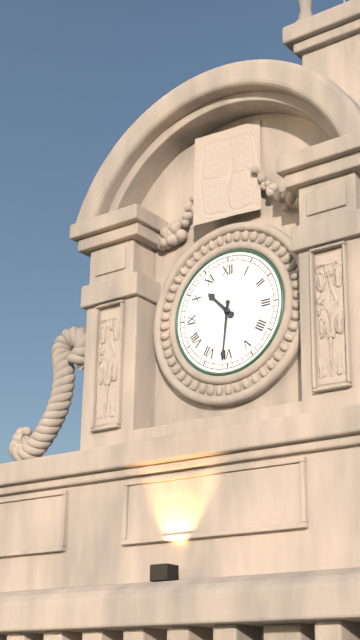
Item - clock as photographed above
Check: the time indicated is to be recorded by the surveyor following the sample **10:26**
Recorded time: **10:31**
